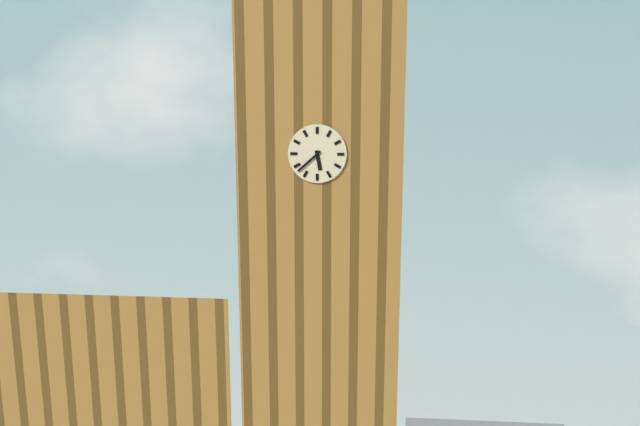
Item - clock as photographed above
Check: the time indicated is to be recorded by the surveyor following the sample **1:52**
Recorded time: **5:38**
